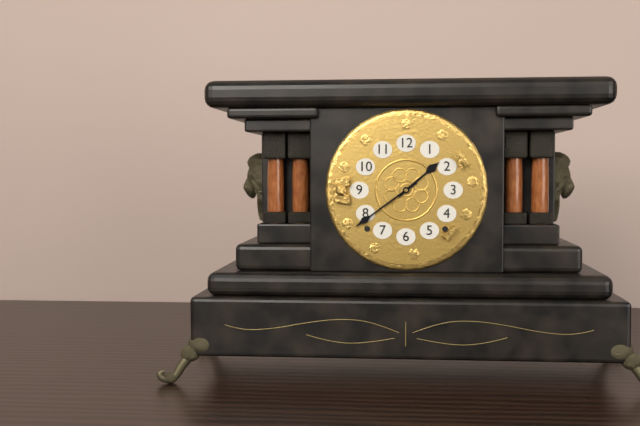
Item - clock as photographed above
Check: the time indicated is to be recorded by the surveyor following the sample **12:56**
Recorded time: **1:39**
